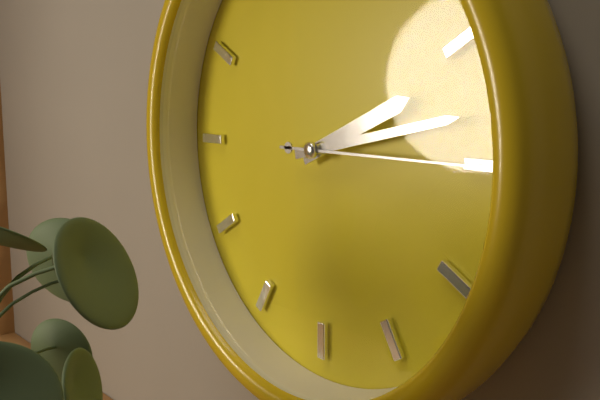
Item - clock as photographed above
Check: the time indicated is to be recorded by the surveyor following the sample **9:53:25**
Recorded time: **2:13:15**
